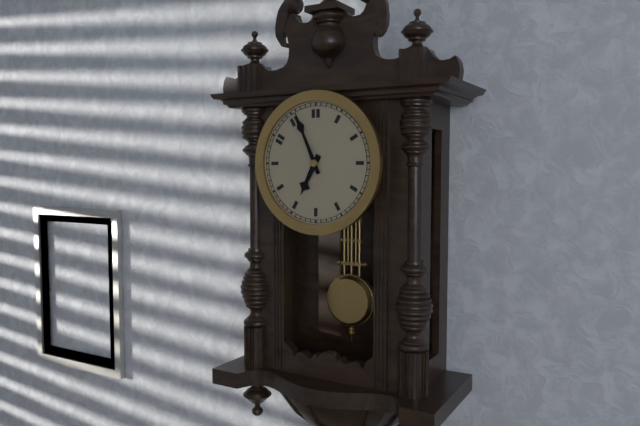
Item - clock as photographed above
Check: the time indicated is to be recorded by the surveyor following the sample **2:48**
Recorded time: **6:56**
